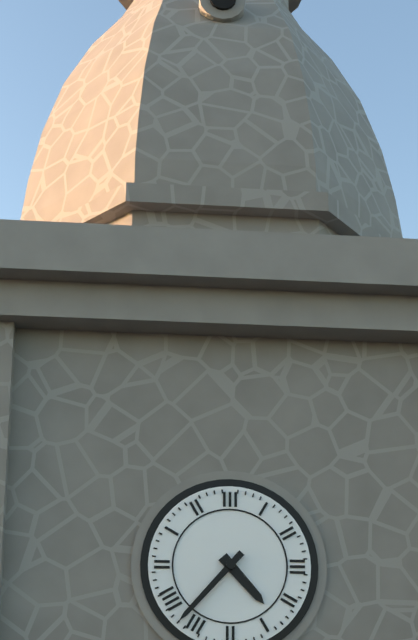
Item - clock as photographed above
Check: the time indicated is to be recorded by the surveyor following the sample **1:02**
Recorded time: **4:37**
